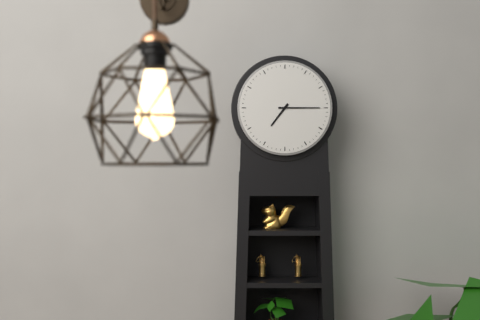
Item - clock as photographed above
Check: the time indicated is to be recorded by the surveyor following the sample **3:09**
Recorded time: **7:15**
